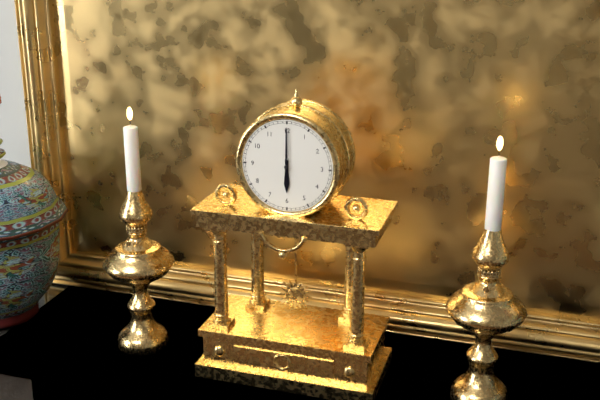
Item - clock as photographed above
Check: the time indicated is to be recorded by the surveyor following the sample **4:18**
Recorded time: **6:00**
